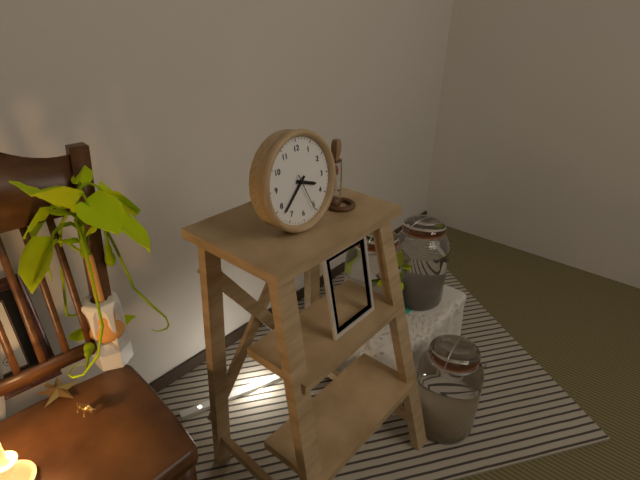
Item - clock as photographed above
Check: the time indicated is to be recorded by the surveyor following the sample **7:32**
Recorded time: **3:38**
